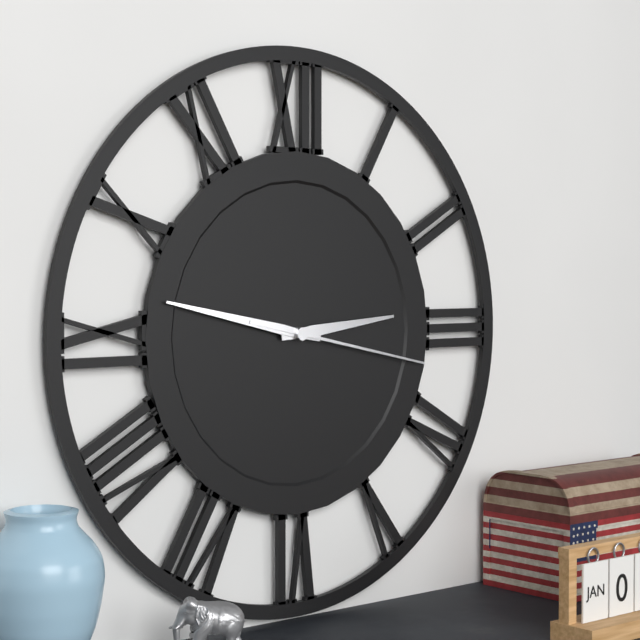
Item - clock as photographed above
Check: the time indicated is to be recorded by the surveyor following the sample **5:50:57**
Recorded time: **2:47:17**
